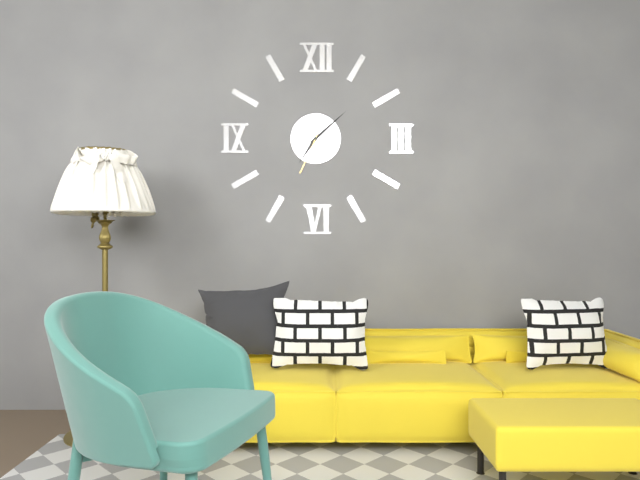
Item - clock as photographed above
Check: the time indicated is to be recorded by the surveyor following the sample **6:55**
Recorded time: **7:08**
